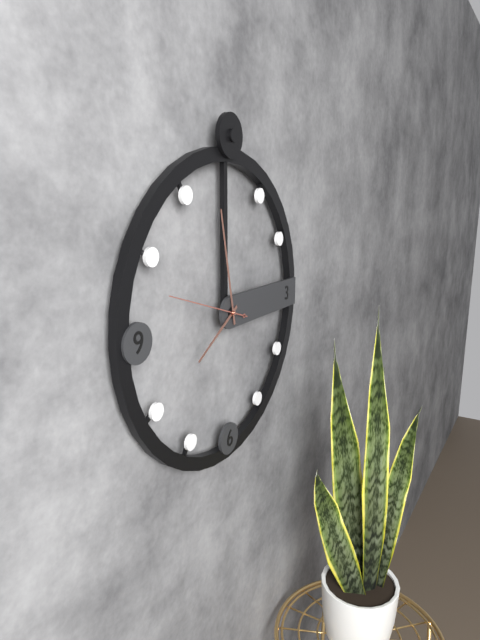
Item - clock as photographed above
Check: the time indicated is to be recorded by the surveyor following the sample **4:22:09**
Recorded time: **7:58:48**
